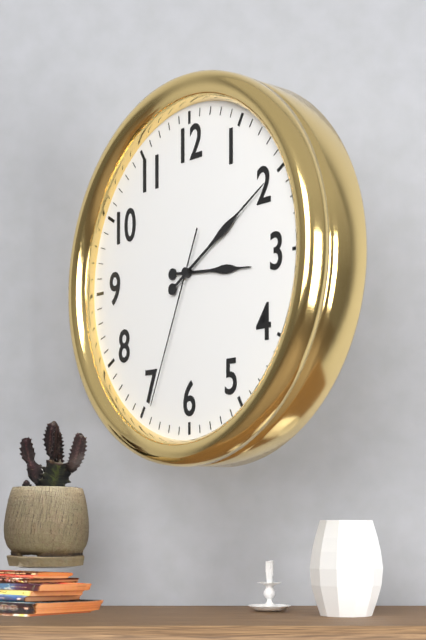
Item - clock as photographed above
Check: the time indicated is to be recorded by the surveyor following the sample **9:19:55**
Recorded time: **3:10:34**
